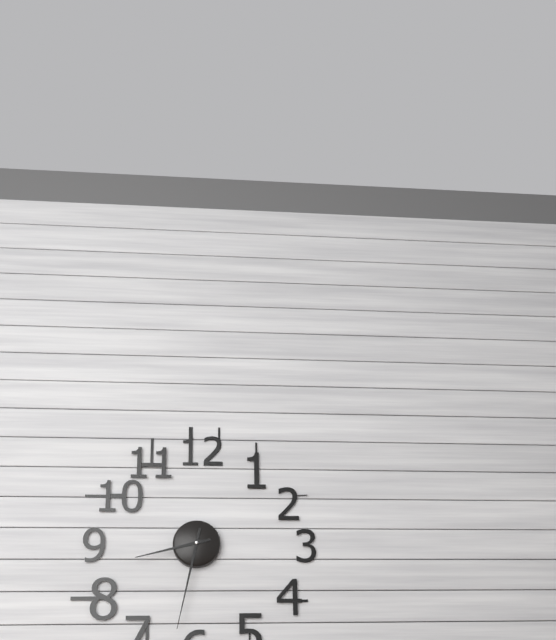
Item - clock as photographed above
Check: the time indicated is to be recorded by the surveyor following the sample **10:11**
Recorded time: **8:32**
